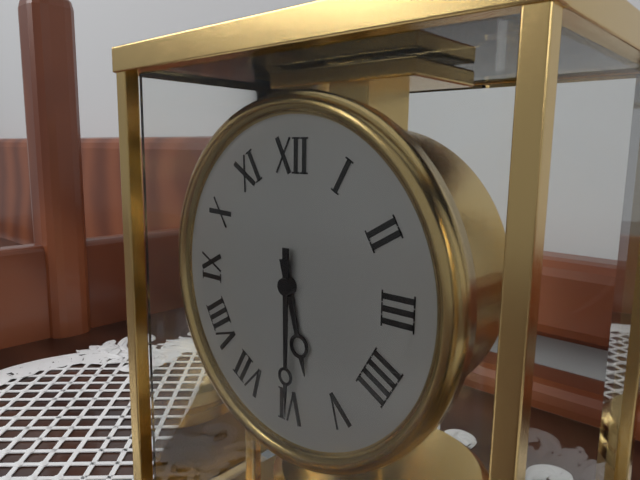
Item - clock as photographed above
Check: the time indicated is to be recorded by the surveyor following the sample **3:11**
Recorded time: **5:30**
